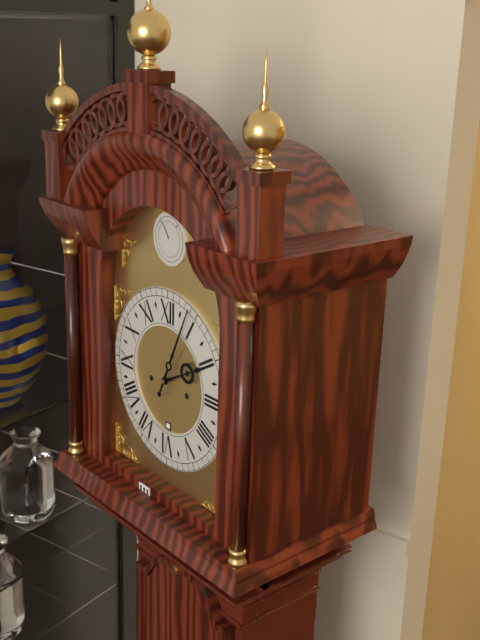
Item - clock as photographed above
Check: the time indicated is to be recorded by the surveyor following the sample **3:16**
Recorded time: **2:04**
